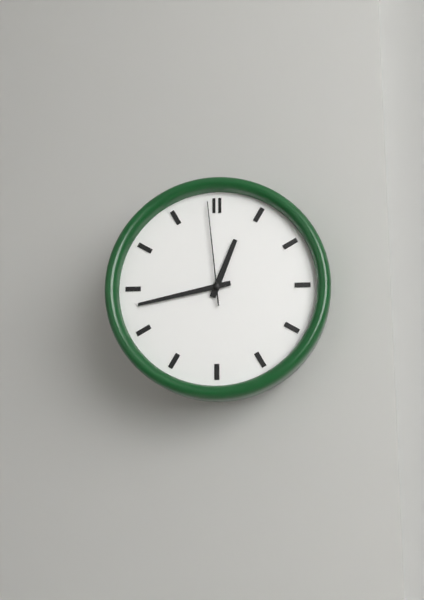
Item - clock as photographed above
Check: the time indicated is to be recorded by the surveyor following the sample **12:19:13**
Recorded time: **12:43:59**
